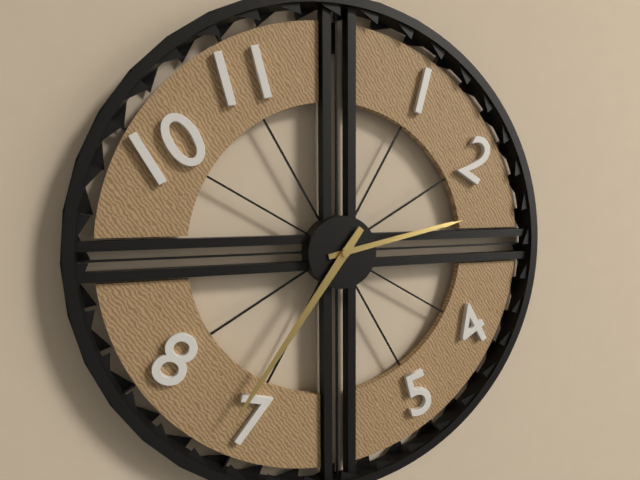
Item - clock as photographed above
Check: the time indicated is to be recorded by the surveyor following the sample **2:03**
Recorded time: **2:36**
